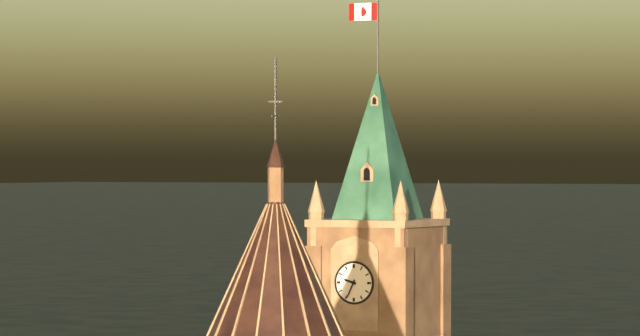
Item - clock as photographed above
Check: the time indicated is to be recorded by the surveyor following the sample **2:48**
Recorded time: **9:34**
